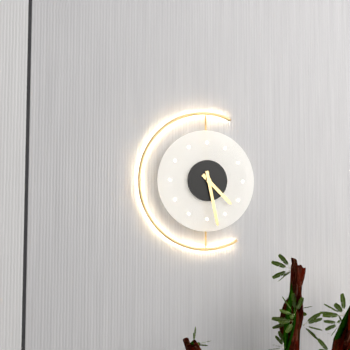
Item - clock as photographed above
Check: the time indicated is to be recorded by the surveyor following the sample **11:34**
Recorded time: **4:28**
